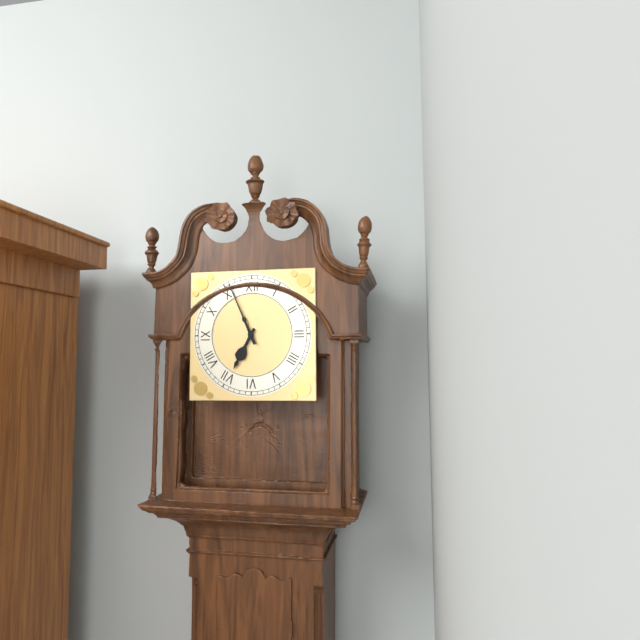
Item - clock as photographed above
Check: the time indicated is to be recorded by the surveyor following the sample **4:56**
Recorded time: **6:56**
